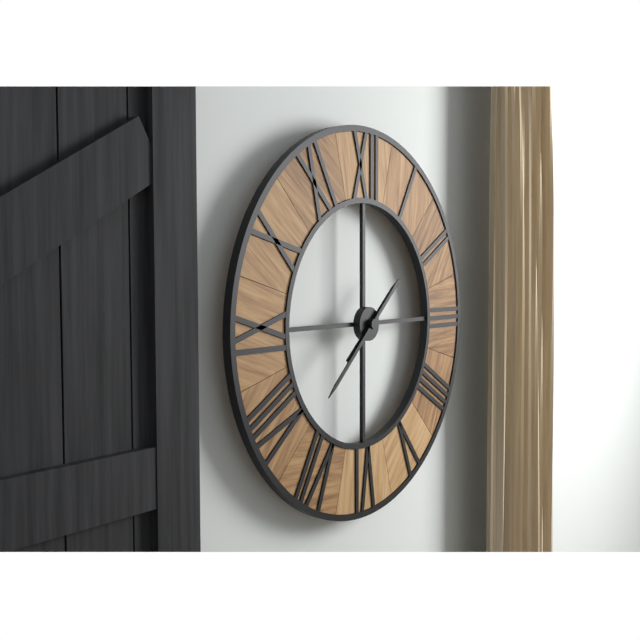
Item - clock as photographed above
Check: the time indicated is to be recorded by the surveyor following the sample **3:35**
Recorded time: **1:38**
